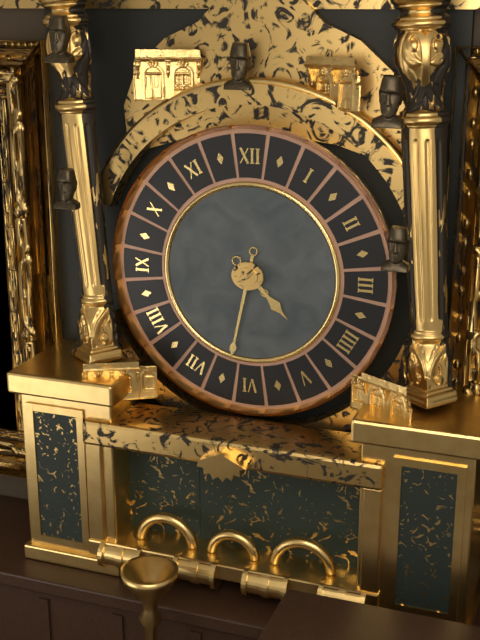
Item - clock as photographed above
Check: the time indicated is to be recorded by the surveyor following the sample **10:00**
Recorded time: **4:32**
